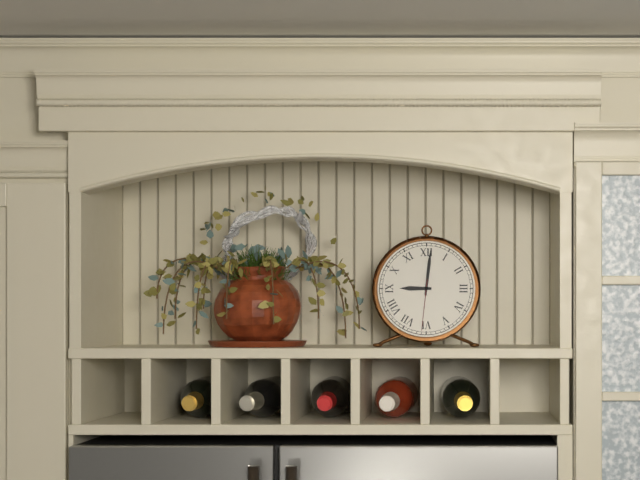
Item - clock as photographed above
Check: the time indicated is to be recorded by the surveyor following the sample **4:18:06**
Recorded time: **9:01:31**
